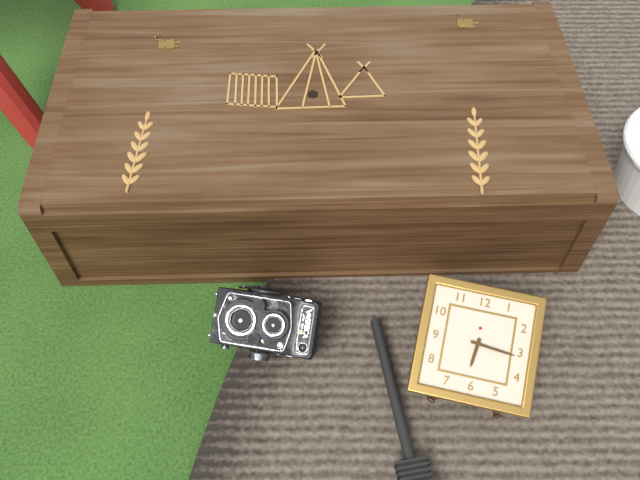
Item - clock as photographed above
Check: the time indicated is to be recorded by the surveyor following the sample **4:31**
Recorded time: **6:16**
